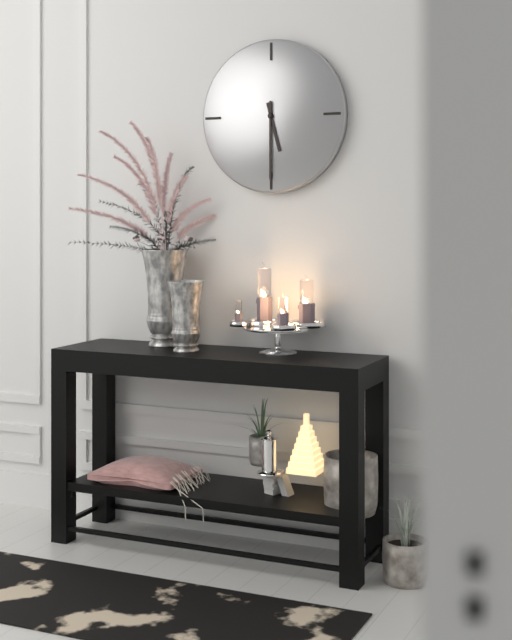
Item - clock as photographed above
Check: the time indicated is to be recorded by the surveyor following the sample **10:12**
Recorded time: **5:30**
